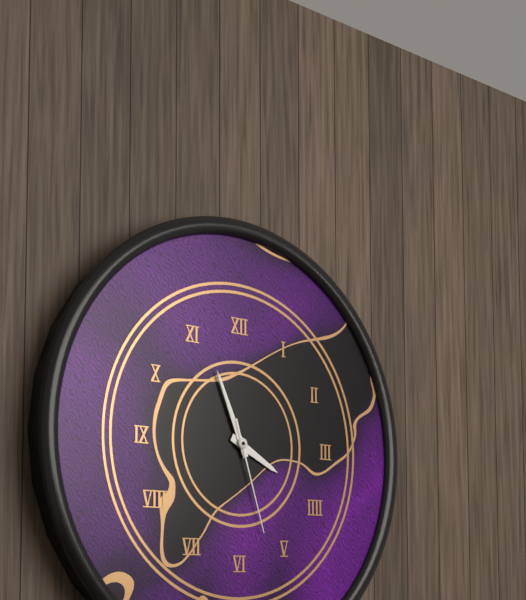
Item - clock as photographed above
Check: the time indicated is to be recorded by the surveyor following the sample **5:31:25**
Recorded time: **3:56:27**
